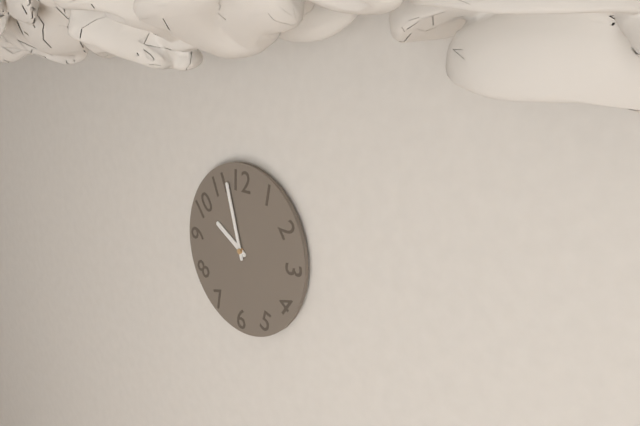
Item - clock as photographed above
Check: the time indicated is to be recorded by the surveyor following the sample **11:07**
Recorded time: **9:57**
